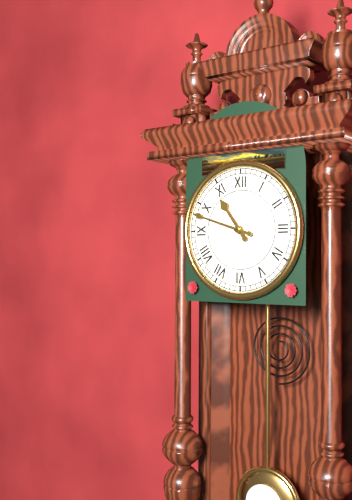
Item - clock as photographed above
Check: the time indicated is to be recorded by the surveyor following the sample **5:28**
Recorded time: **10:48**
